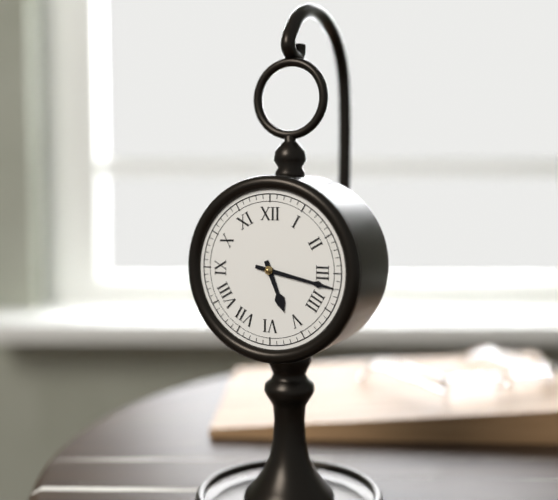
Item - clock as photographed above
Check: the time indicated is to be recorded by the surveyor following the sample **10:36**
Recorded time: **5:17**
